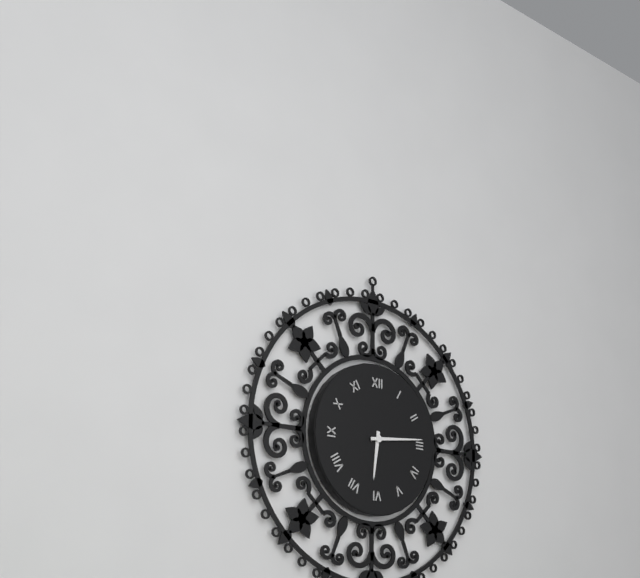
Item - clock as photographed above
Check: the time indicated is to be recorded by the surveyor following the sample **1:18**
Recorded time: **6:14**
